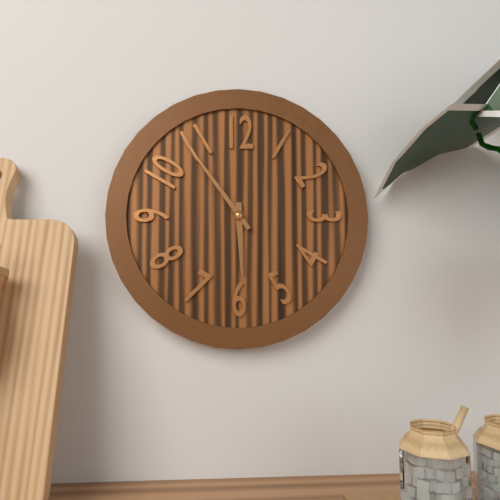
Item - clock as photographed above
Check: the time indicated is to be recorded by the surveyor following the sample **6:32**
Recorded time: **5:54**
